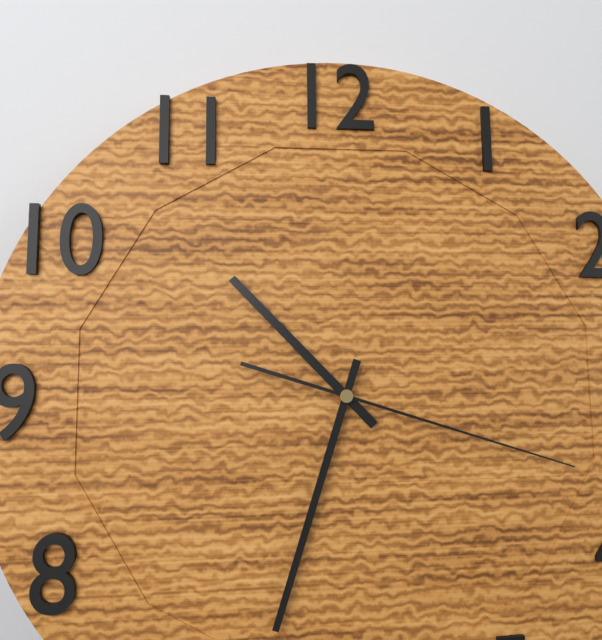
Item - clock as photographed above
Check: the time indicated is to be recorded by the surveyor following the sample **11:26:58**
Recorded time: **10:33:18**
